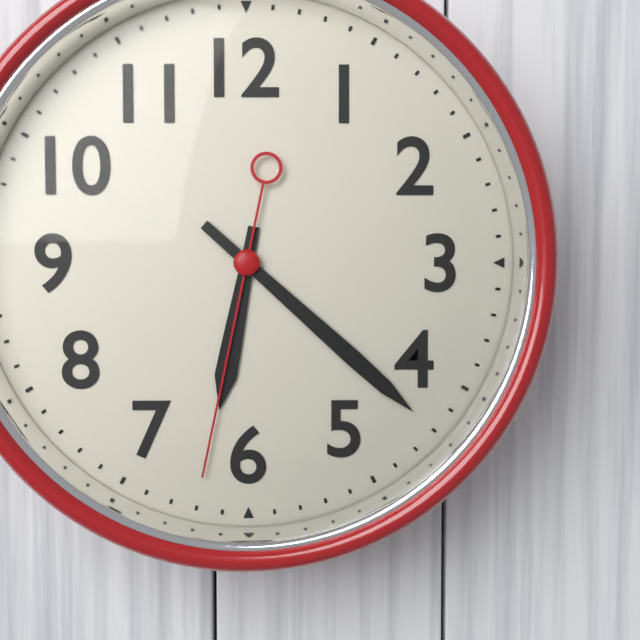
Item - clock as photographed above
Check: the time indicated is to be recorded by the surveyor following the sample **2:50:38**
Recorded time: **6:22:32**
